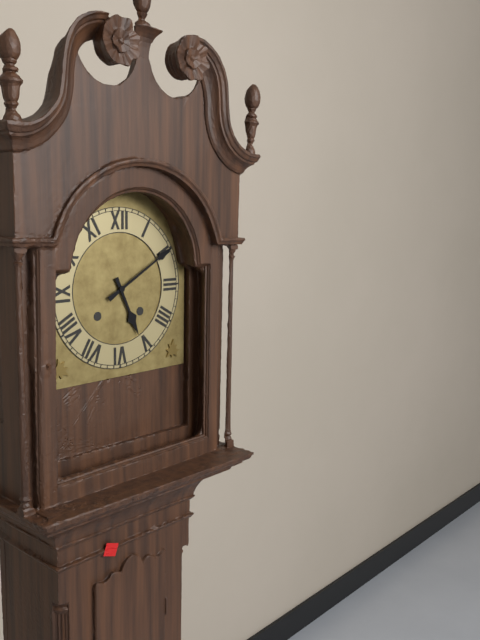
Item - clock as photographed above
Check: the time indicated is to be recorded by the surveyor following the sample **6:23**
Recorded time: **5:10**
